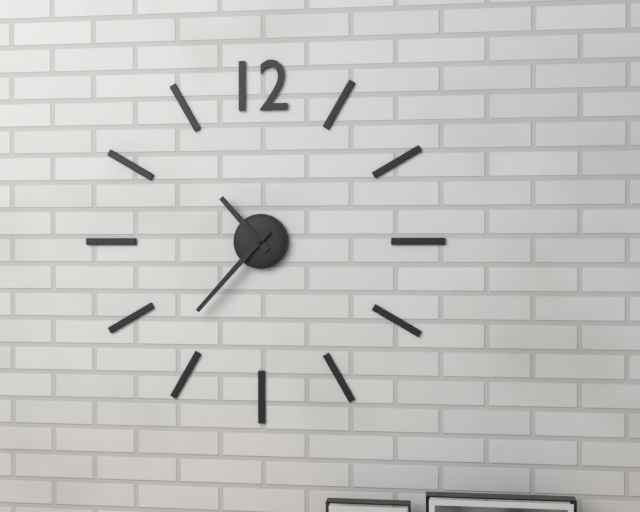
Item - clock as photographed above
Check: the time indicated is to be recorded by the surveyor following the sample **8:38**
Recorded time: **10:37**
